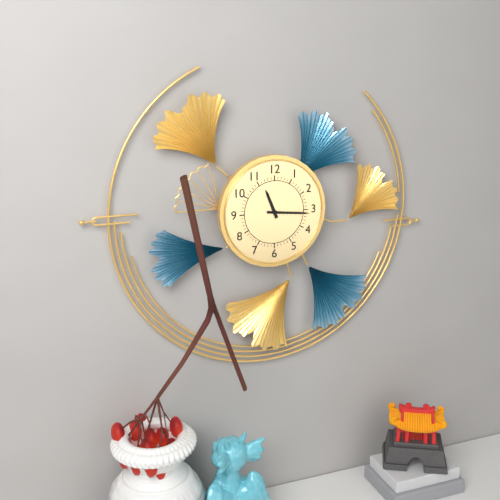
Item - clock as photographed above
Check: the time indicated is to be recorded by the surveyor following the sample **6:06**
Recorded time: **11:16**
